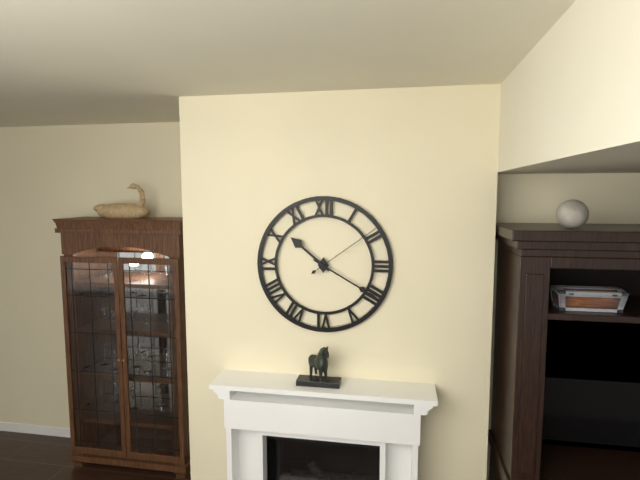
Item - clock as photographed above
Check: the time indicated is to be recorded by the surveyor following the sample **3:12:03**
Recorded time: **10:20:09**
